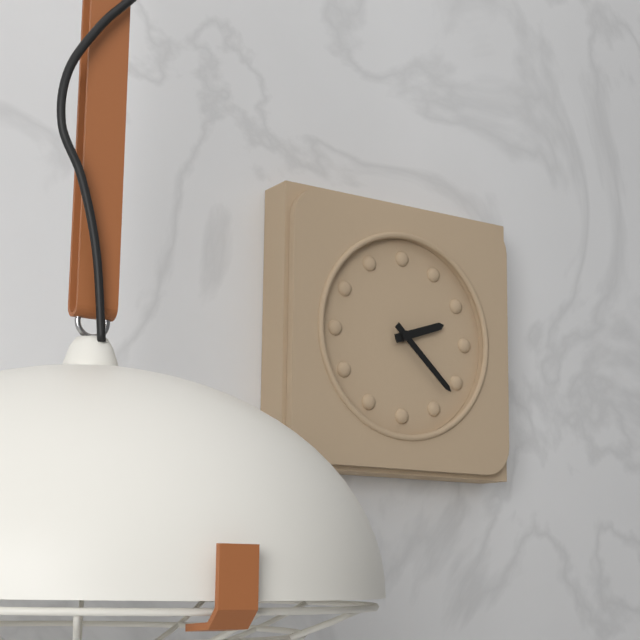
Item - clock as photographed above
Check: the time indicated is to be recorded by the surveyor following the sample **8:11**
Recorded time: **2:22**
